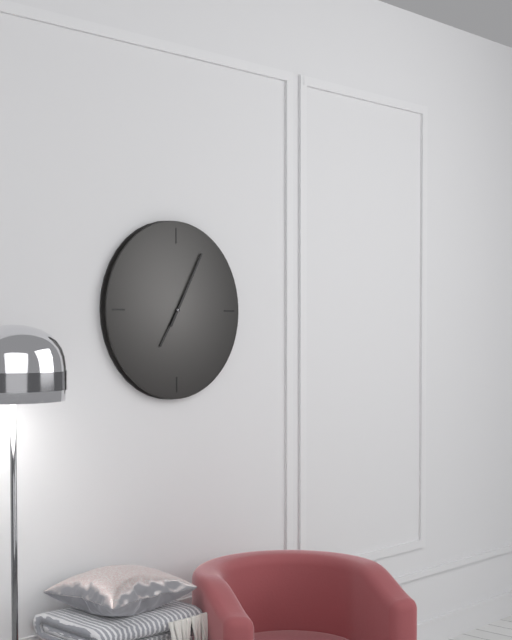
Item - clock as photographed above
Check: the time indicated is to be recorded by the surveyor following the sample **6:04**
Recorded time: **7:05**
